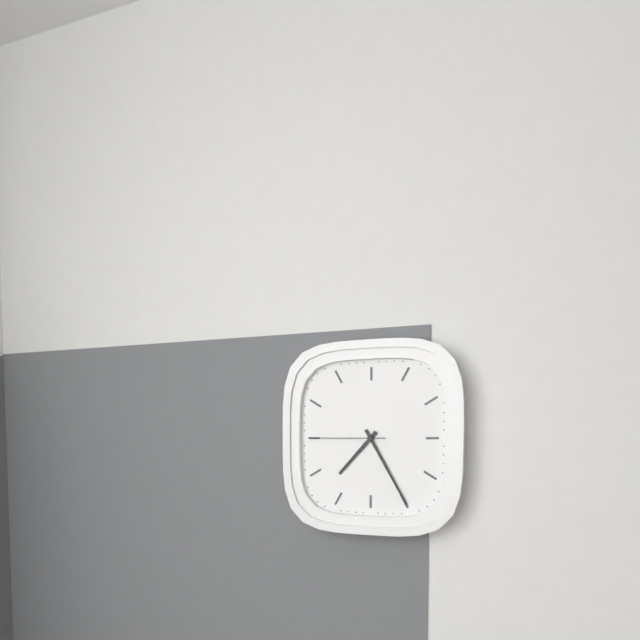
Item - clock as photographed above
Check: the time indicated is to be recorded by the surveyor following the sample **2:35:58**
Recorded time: **7:25:45**
